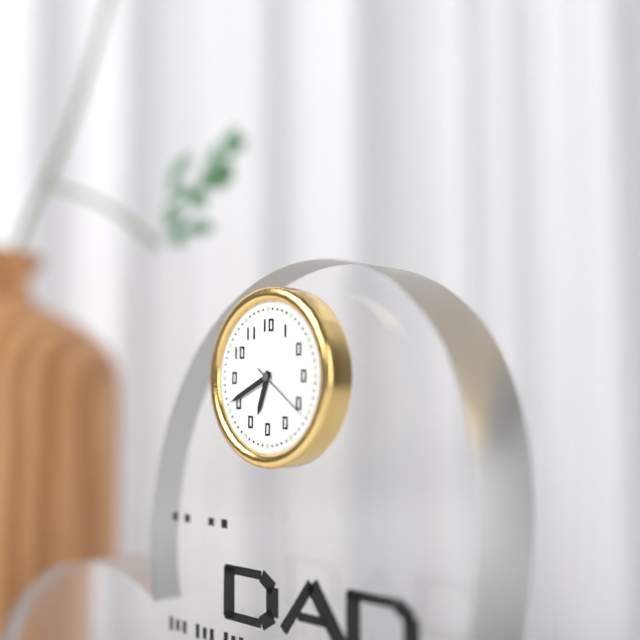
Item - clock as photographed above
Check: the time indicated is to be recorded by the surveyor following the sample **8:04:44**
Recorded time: **6:41:21**
